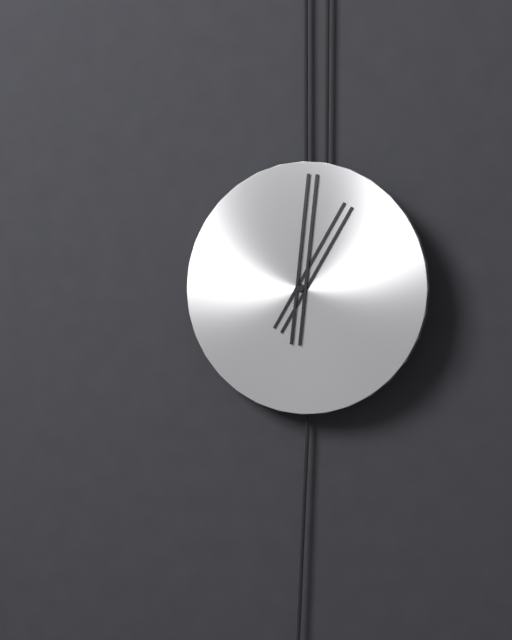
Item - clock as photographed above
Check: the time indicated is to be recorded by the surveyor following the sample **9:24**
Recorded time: **1:01**
